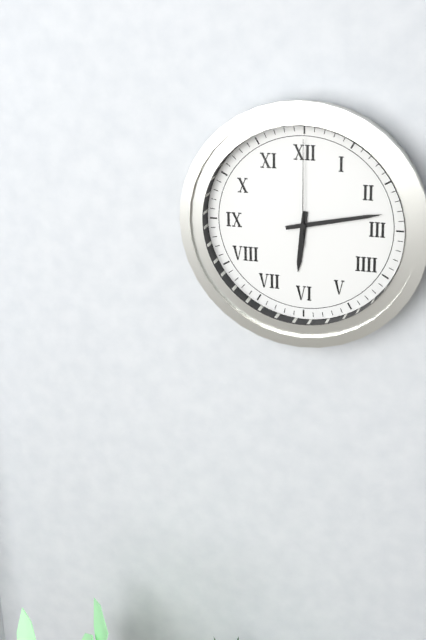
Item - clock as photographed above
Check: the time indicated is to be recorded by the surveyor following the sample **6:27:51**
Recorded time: **6:13:00**
